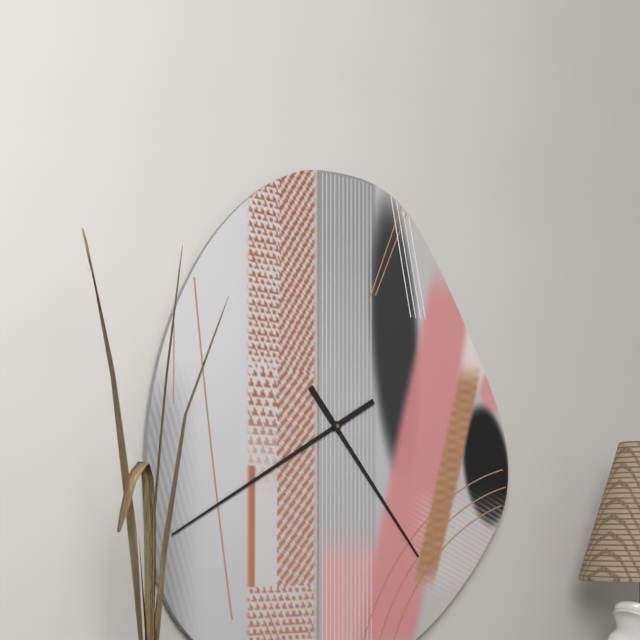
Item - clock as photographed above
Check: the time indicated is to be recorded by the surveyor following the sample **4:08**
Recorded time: **4:40**
